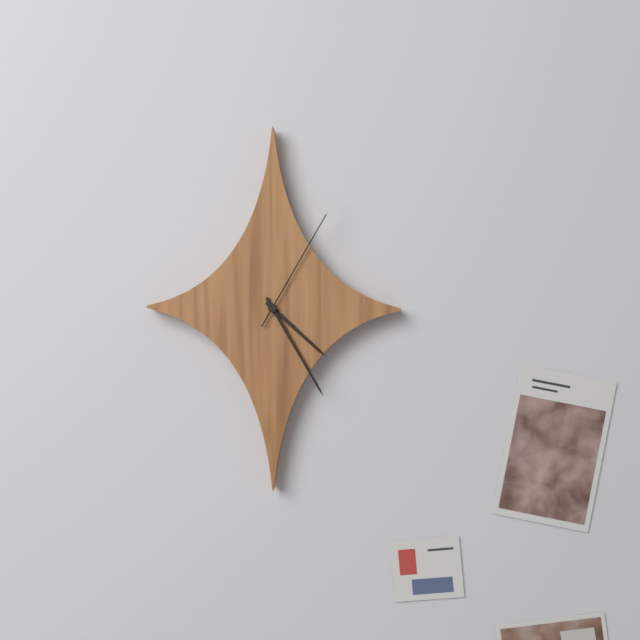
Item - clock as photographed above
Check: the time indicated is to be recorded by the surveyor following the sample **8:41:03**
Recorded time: **4:25:05**
